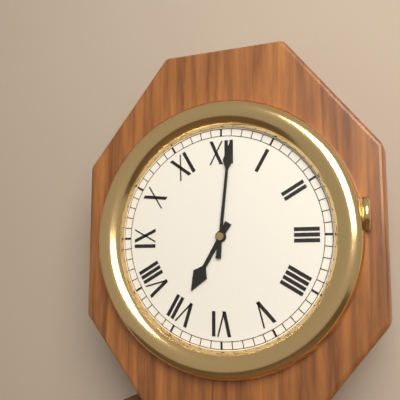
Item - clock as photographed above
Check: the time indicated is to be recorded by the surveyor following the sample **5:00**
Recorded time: **7:01**
